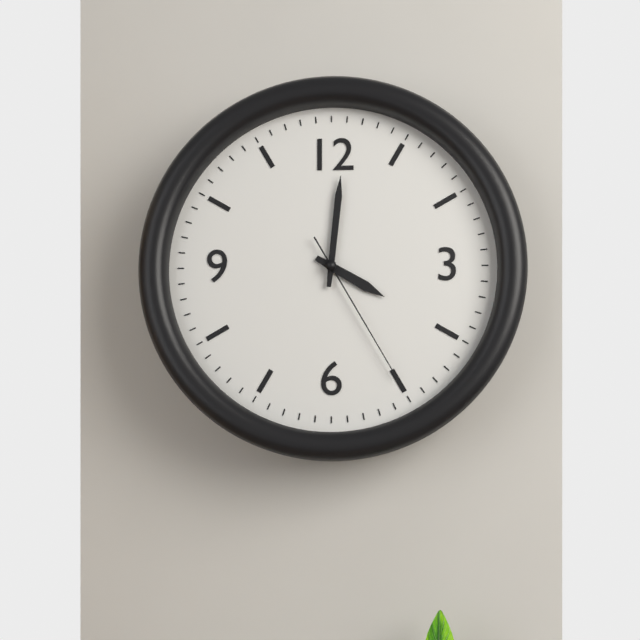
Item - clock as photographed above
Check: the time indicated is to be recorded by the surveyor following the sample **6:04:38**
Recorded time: **4:01:25**
